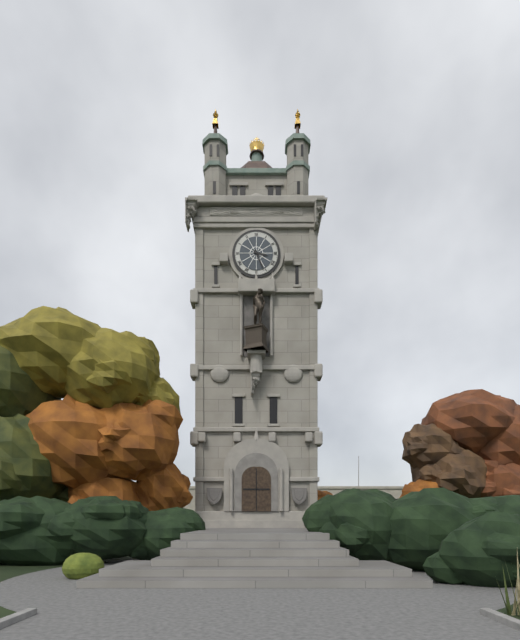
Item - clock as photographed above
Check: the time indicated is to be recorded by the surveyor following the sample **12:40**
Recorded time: **3:26**
